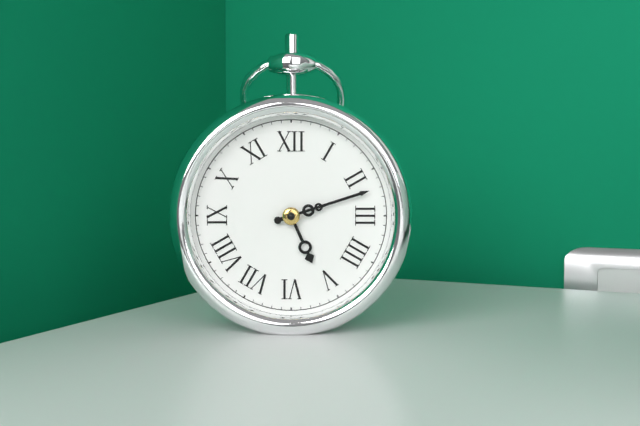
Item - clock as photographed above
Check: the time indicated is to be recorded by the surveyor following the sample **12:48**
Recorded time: **5:12**
